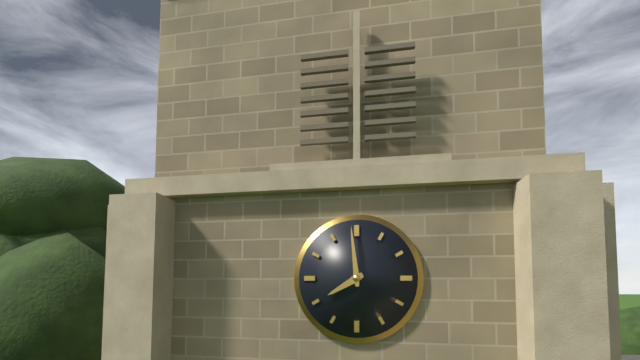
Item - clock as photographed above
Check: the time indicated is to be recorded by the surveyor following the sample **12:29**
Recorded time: **7:59**
